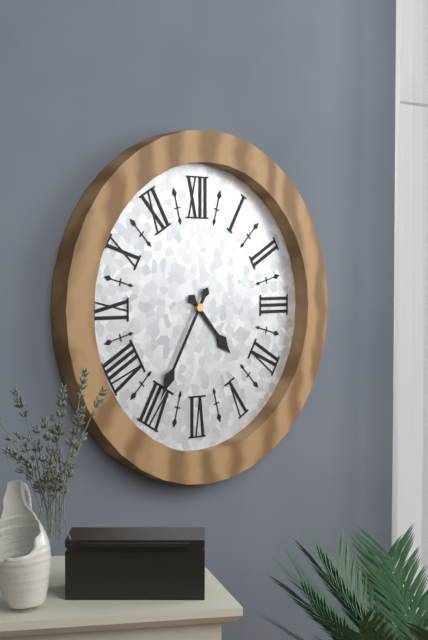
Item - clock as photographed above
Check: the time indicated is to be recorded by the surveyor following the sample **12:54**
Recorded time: **4:35**
